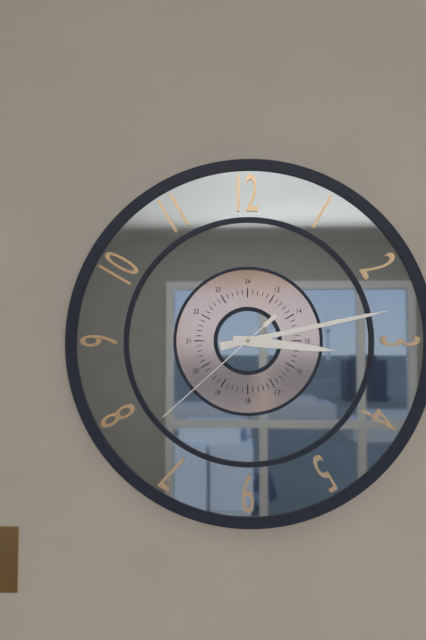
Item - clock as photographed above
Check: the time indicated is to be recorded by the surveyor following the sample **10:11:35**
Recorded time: **3:13:38**
